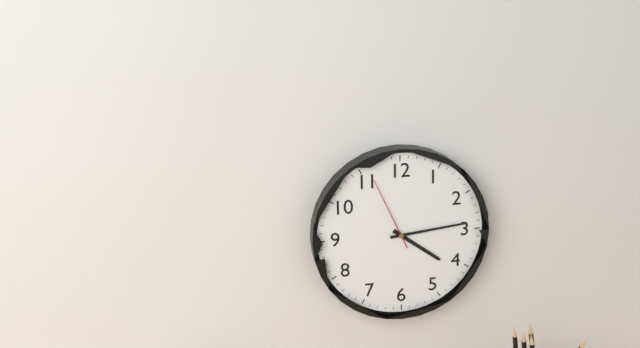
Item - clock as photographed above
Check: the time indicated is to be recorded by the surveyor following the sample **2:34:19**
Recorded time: **4:14:56**
